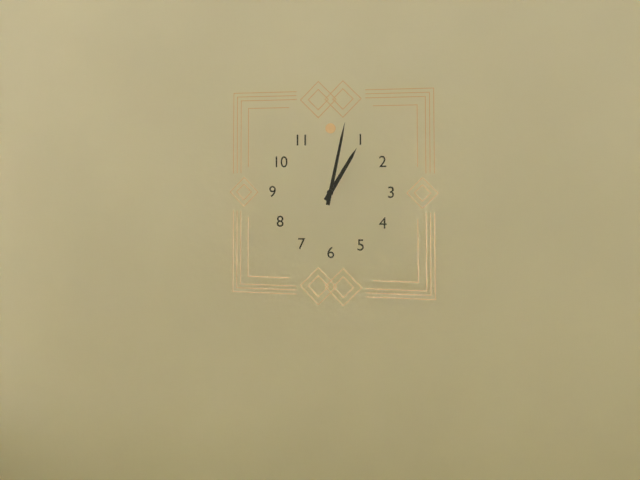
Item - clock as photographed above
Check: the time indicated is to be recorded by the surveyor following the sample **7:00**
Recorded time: **1:02**
